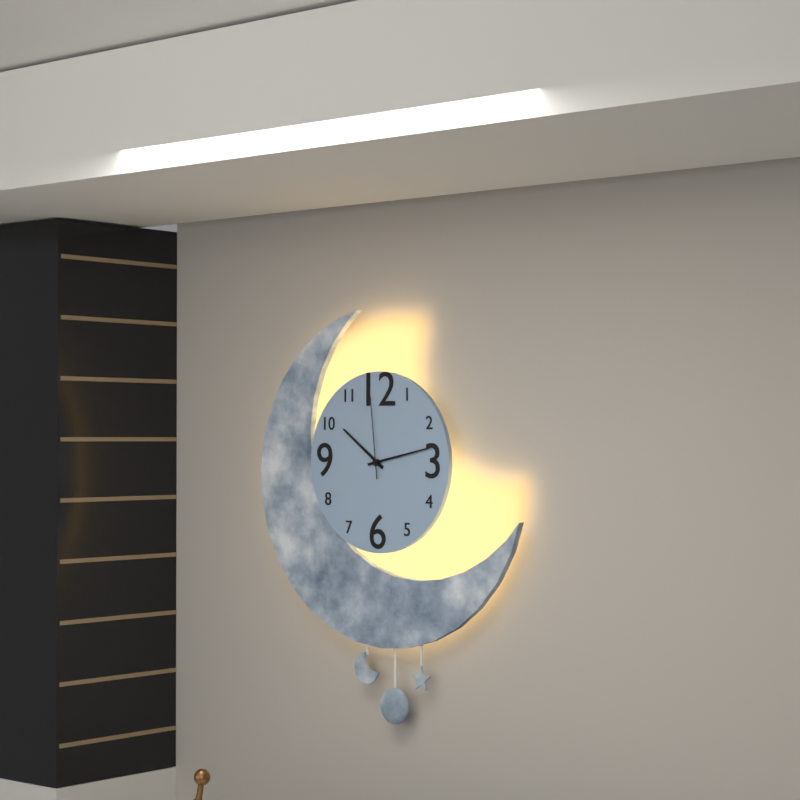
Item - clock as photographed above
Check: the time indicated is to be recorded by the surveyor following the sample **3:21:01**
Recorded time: **10:13:59**
